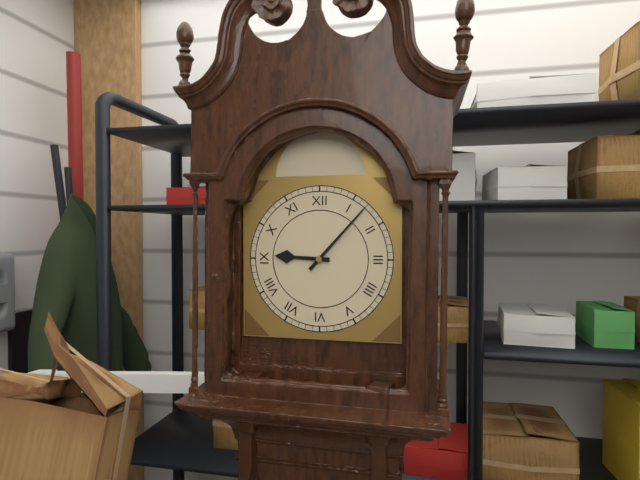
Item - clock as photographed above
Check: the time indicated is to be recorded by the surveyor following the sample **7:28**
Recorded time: **9:07**
